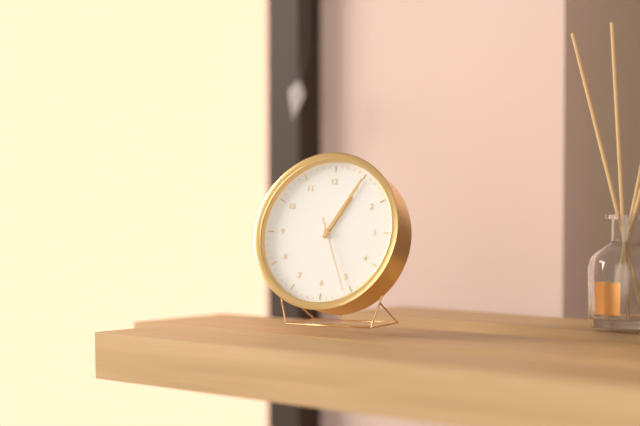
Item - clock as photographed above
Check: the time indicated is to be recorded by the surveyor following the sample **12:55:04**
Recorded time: **1:05:26**
